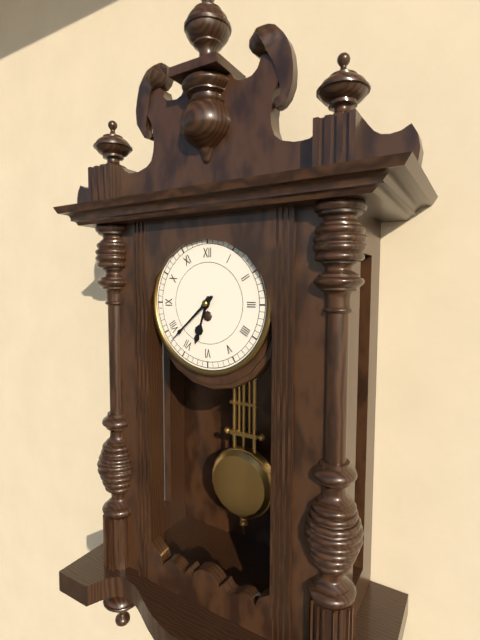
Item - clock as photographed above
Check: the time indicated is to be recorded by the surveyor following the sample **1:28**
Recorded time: **6:38**
